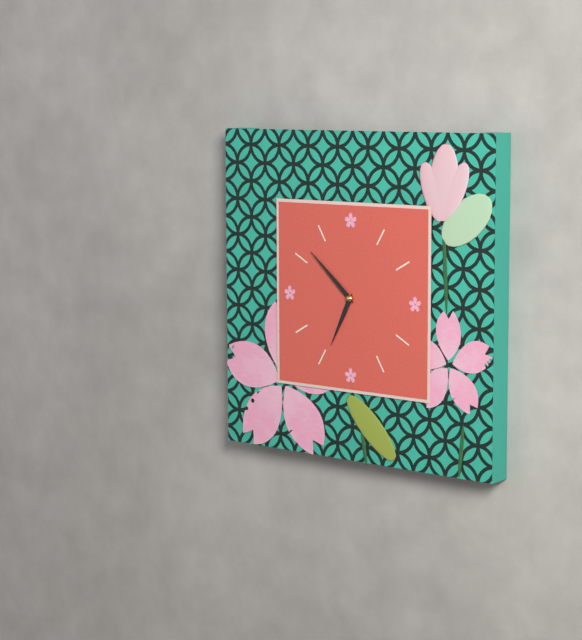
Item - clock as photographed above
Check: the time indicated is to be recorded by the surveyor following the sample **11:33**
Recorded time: **6:52**
